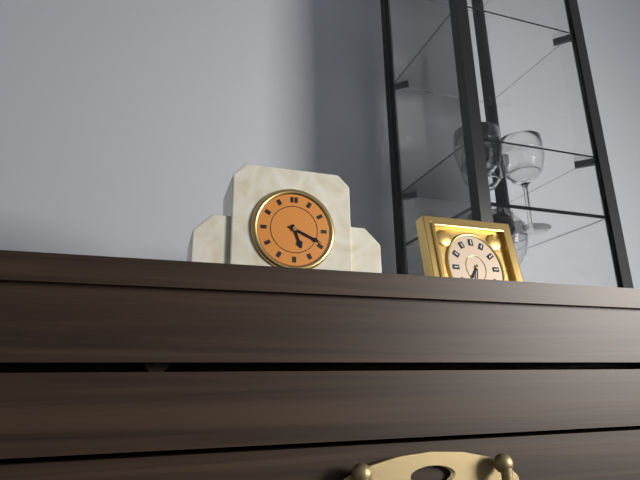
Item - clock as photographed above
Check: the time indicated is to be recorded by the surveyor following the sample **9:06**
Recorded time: **5:19**
